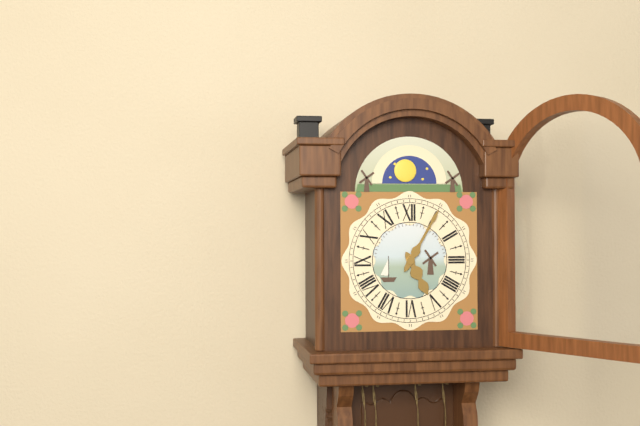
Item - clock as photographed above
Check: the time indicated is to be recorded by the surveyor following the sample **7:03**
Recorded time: **5:05**
